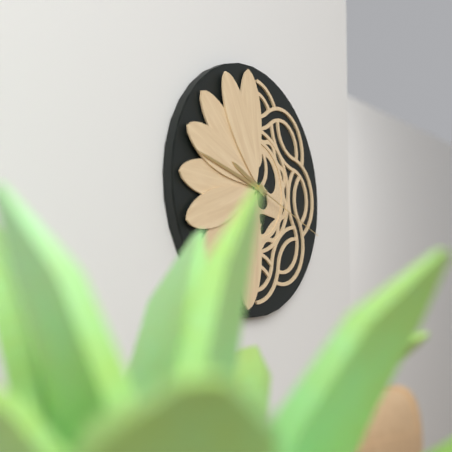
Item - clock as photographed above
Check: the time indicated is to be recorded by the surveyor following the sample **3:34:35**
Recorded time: **9:47:18**
